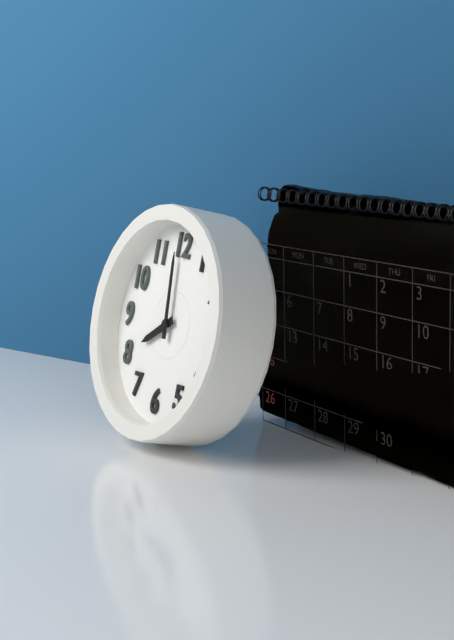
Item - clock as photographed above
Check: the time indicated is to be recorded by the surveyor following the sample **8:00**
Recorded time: **7:59**
